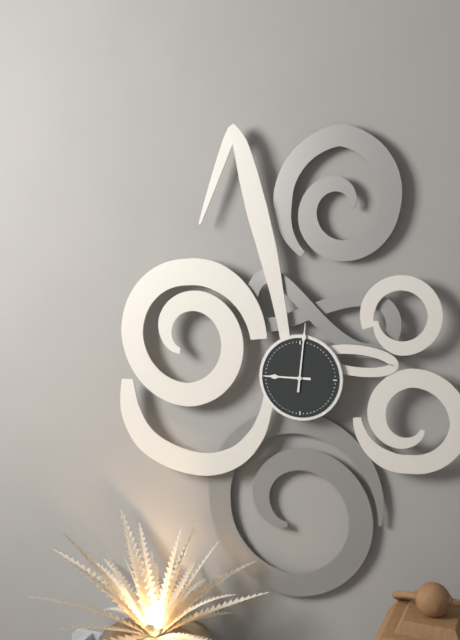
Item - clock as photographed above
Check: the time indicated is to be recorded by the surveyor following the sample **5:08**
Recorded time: **9:01**
